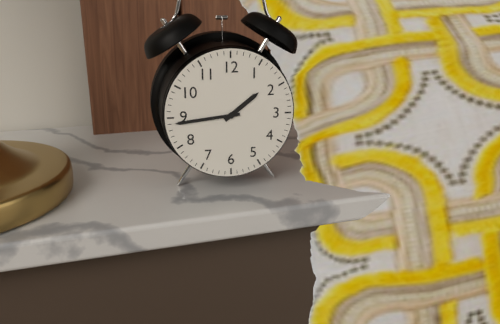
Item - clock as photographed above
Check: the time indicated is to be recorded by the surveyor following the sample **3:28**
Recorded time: **1:44**
